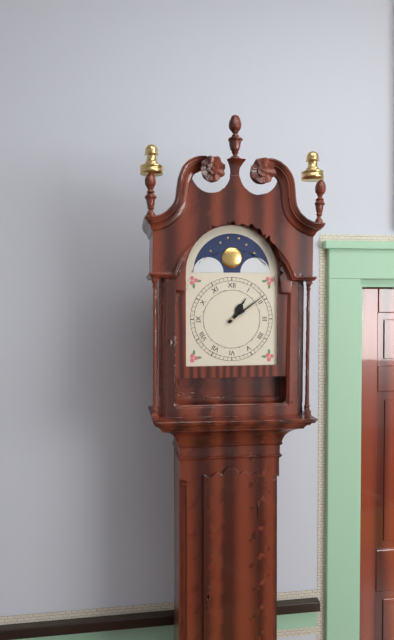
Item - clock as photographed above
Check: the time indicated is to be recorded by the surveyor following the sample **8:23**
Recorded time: **1:09**
